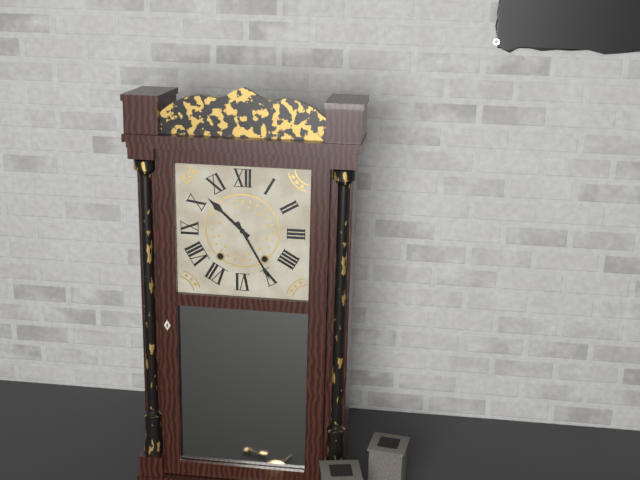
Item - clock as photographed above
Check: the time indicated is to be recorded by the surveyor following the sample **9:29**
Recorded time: **10:25**
